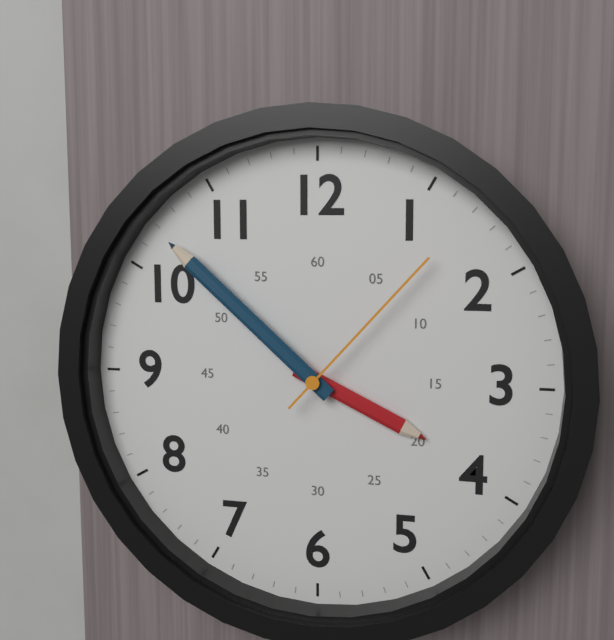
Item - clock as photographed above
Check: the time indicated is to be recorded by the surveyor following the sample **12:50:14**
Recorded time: **3:52:07**
